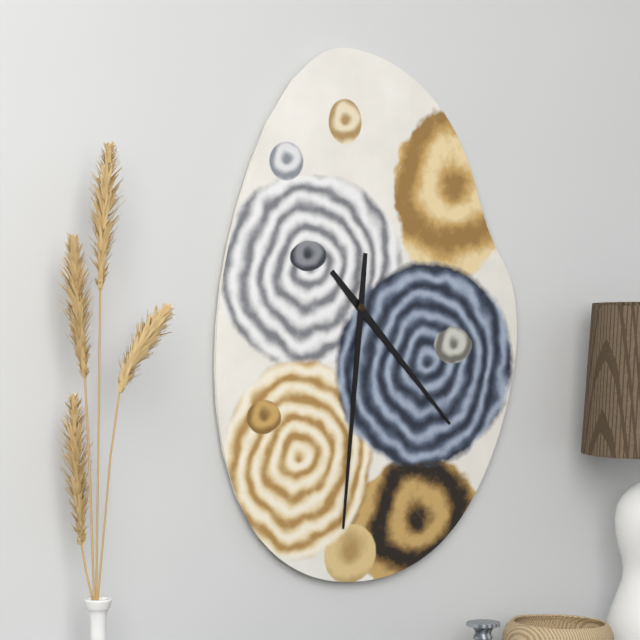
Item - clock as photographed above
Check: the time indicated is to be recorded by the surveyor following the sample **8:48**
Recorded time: **4:31**
